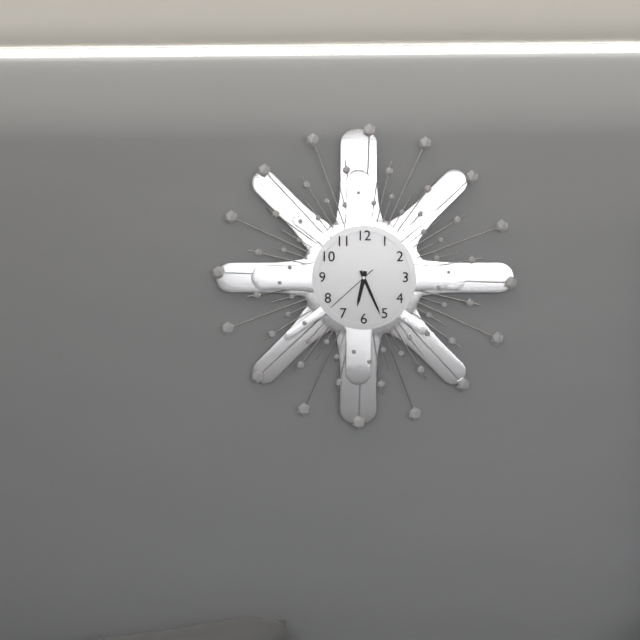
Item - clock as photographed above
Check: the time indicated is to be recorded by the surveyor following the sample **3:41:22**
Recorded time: **6:26:38**
